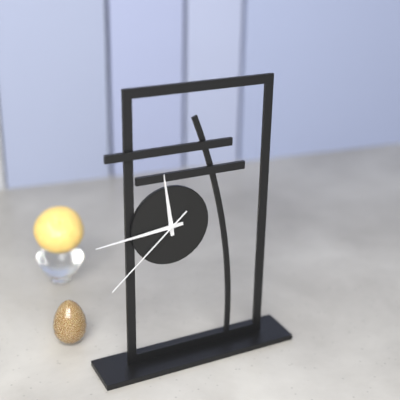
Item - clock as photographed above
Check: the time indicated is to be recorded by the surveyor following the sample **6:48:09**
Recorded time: **11:44:38**
